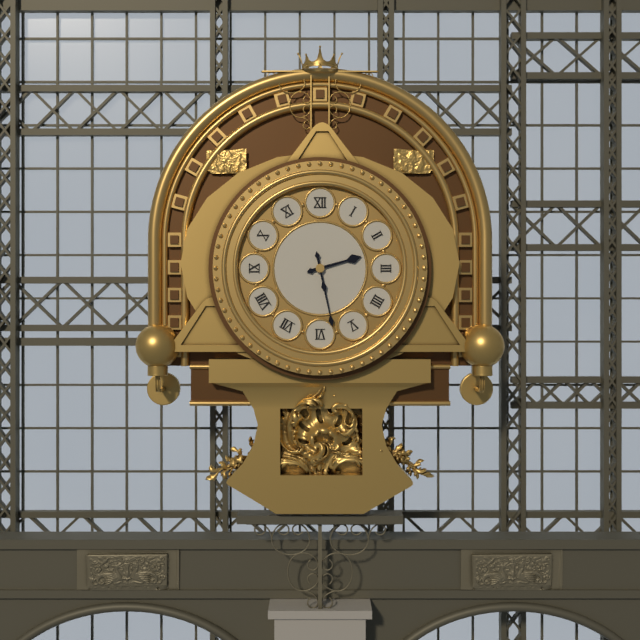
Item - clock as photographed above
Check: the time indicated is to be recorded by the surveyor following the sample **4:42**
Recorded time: **2:28**
